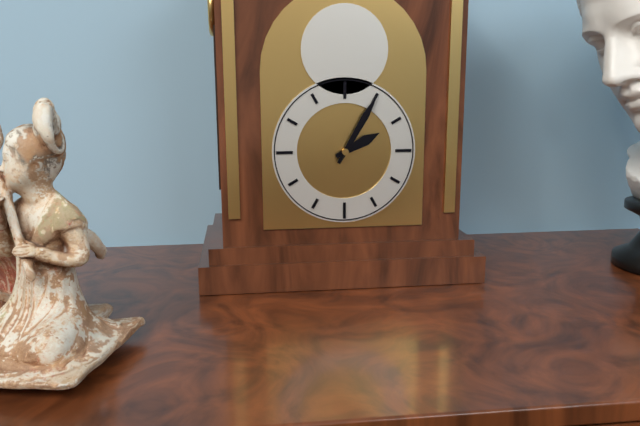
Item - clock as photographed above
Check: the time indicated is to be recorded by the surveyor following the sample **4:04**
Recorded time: **2:05**
